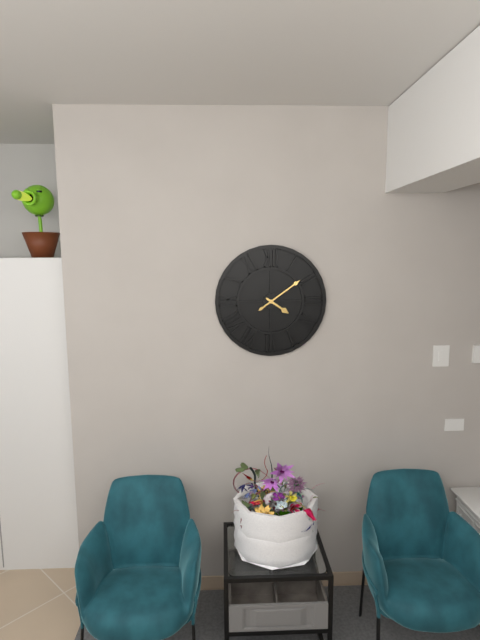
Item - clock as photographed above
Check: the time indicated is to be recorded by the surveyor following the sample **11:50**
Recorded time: **4:09**
